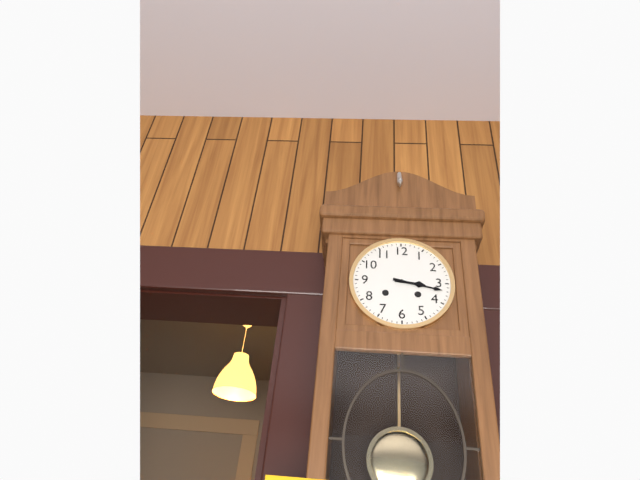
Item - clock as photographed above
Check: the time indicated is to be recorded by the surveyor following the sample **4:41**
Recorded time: **3:17**
